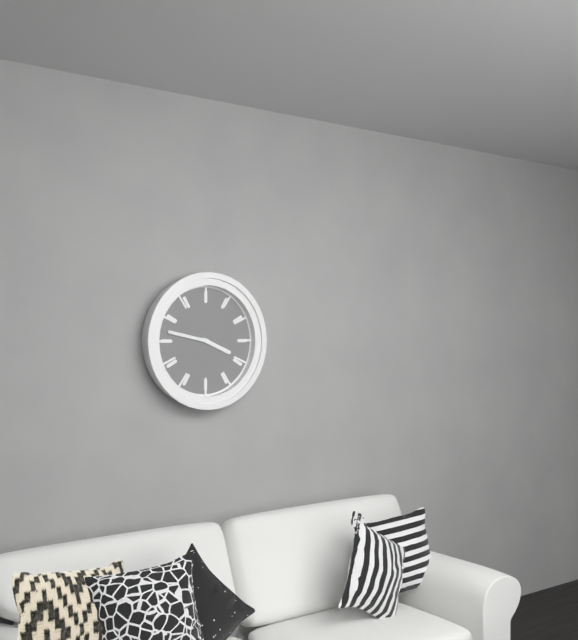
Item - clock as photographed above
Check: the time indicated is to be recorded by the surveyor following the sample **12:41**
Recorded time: **3:47**
